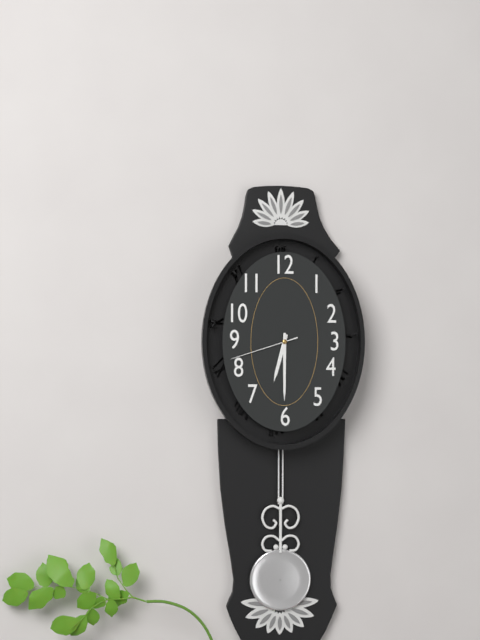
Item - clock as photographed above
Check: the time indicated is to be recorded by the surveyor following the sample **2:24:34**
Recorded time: **6:30:42**
